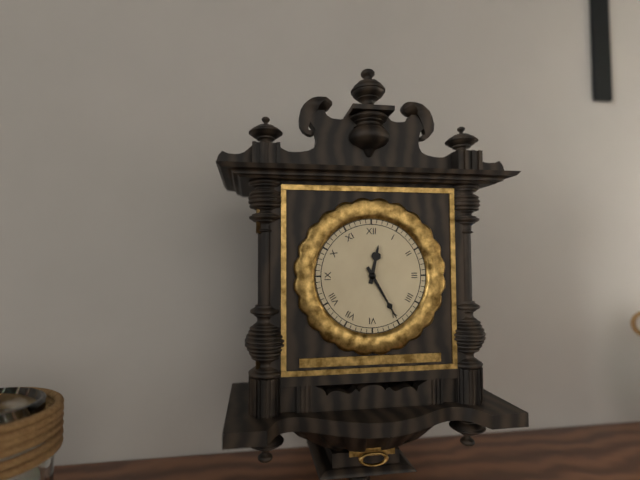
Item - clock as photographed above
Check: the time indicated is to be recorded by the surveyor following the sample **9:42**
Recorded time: **12:25**
